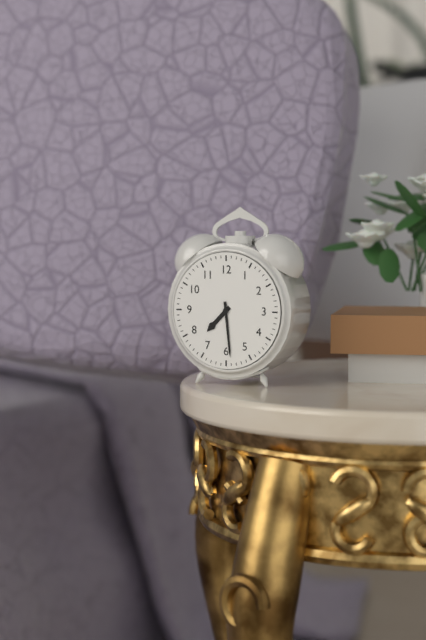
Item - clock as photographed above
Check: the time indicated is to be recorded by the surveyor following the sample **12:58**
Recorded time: **7:29**
